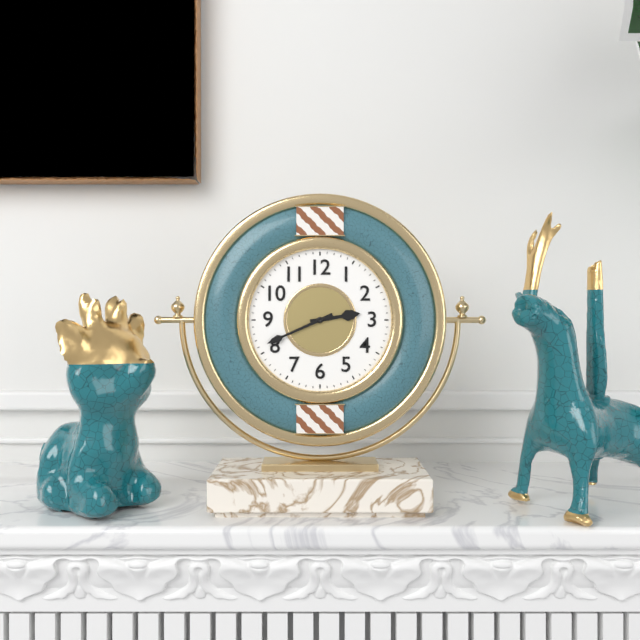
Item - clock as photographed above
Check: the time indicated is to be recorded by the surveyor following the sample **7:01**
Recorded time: **2:41**
